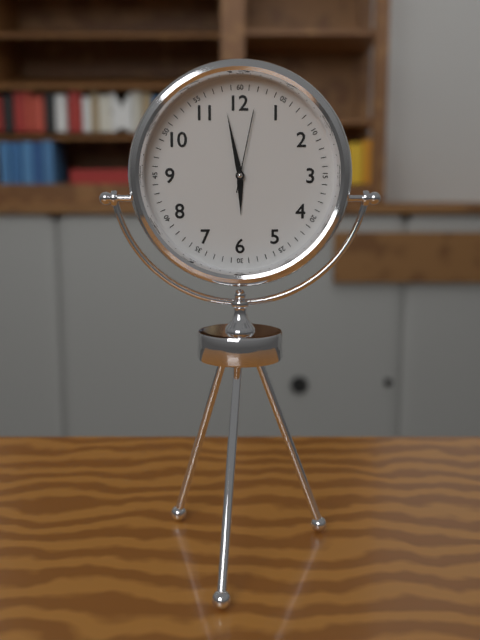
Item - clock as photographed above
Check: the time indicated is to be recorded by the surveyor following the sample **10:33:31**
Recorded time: **5:58:02**
